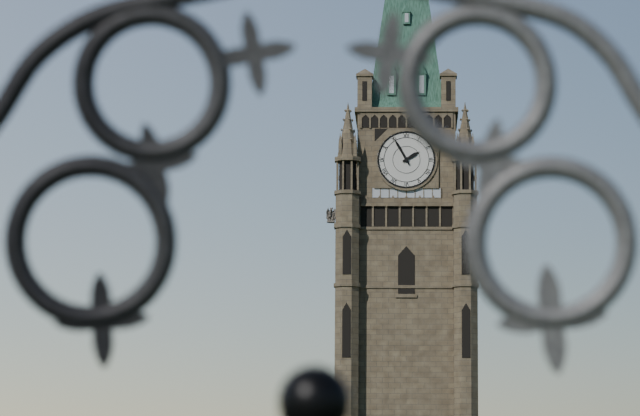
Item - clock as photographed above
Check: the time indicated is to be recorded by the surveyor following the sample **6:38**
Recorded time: **1:55**
